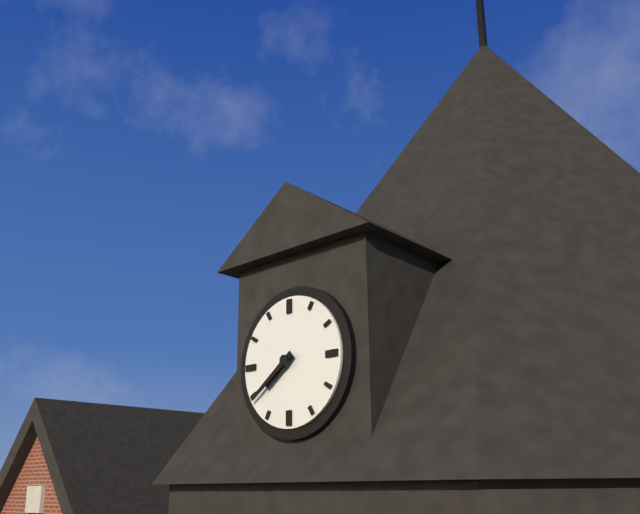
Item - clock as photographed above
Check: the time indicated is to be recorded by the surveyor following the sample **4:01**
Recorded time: **7:39**
